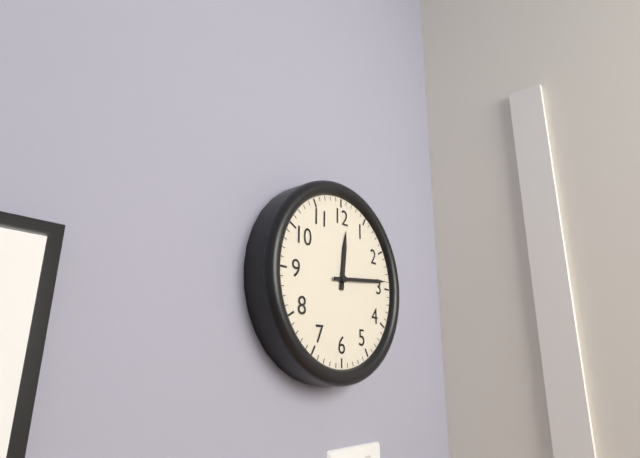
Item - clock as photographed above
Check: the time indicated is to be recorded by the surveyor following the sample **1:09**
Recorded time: **12:14**
